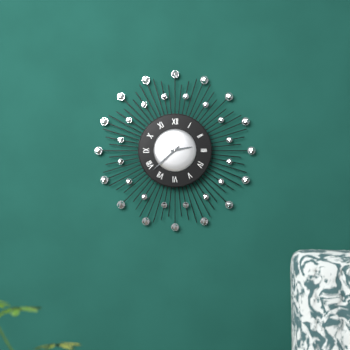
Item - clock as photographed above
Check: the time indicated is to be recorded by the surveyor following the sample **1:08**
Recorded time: **2:38**
